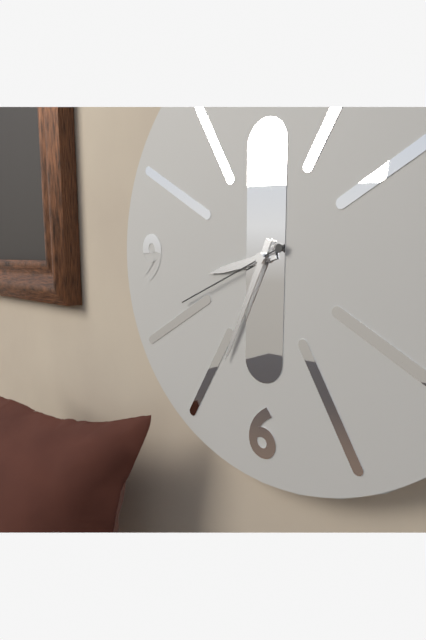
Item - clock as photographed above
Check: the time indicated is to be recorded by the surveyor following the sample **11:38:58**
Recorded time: **8:34:41**
